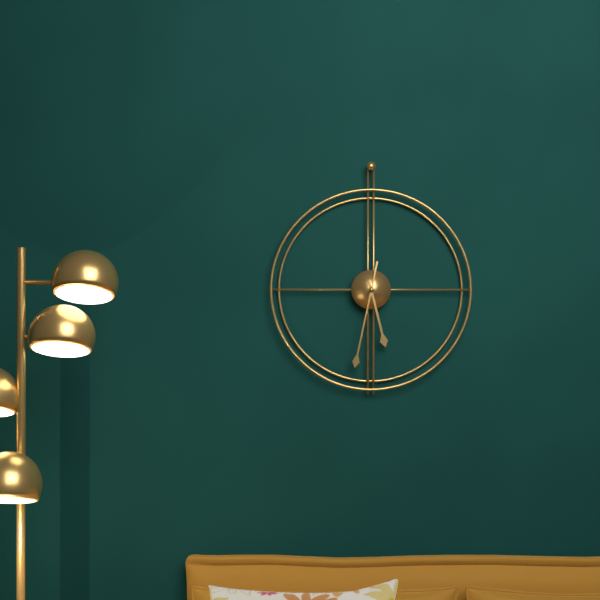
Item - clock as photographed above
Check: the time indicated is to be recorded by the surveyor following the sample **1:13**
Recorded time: **5:32**
